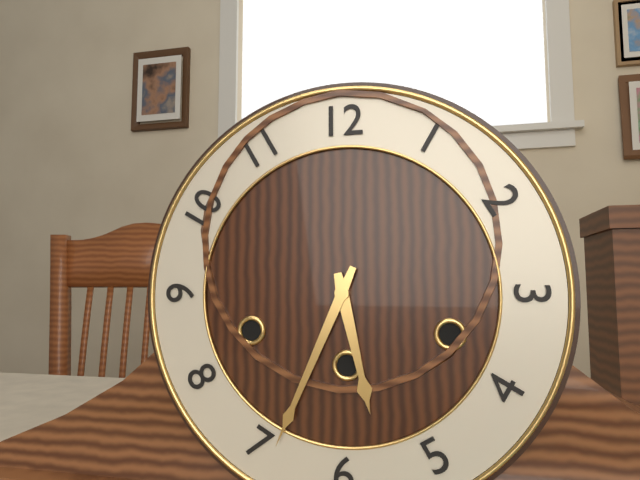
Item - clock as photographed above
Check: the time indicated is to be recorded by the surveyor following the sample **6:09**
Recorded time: **5:34**
